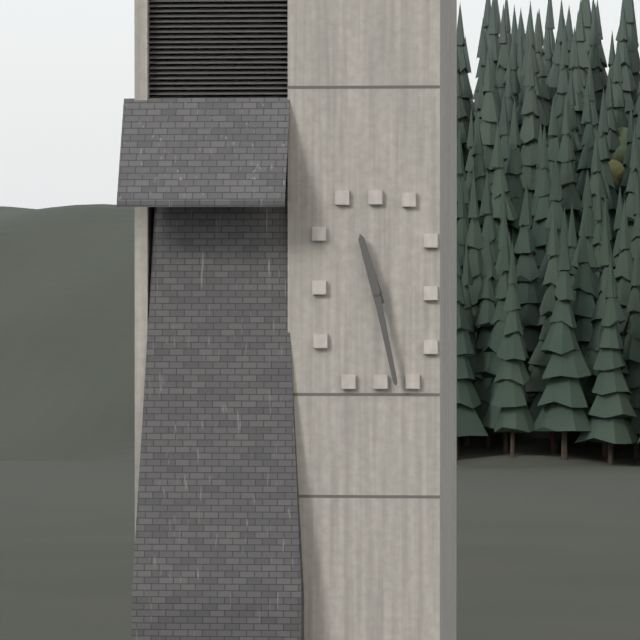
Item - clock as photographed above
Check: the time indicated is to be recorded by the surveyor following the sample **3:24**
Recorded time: **11:28**
